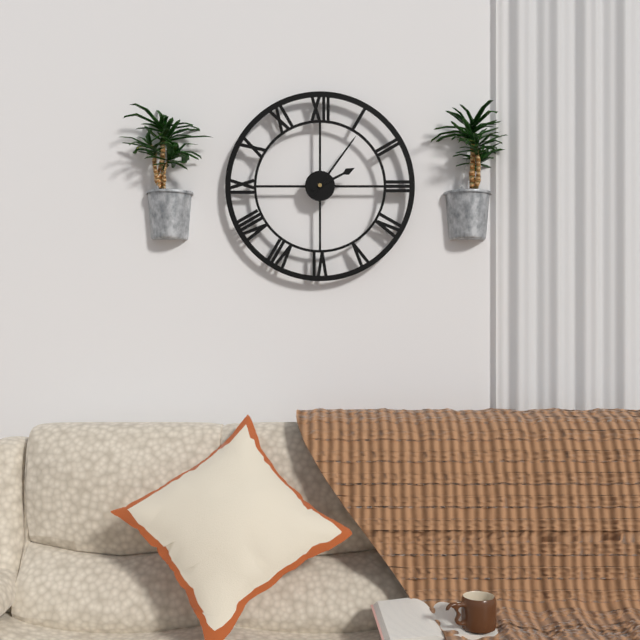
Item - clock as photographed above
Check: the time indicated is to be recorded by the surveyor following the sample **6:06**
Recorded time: **2:06**
